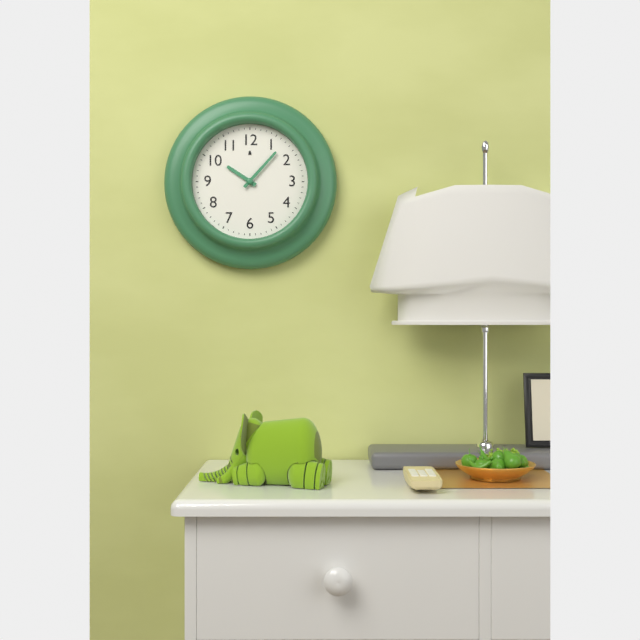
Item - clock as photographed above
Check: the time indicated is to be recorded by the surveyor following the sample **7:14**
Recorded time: **10:07**
